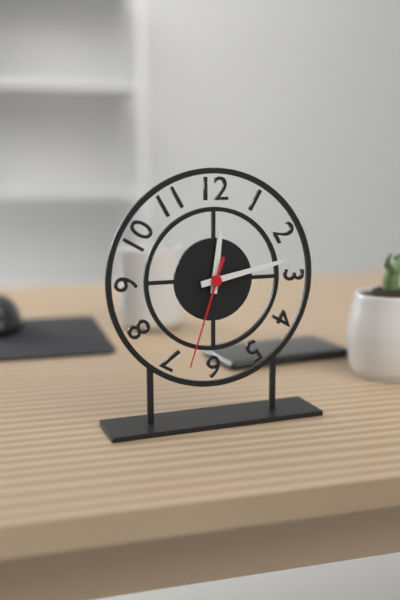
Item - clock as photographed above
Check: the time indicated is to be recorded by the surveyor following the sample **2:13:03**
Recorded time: **12:13:33**
